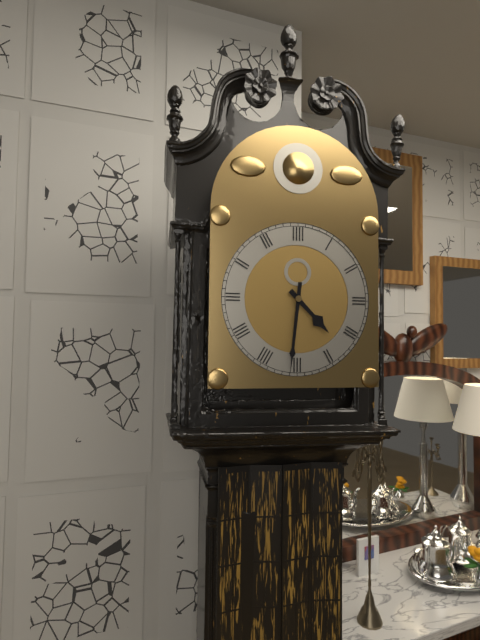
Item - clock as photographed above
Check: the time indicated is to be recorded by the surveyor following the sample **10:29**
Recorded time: **4:31**
